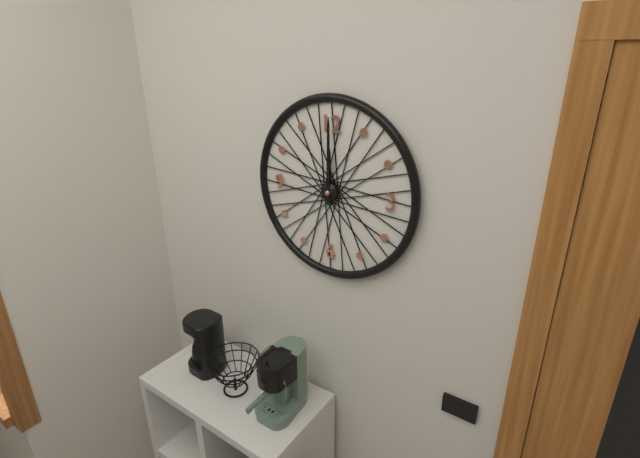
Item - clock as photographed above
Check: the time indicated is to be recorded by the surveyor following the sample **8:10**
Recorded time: **12:00**
